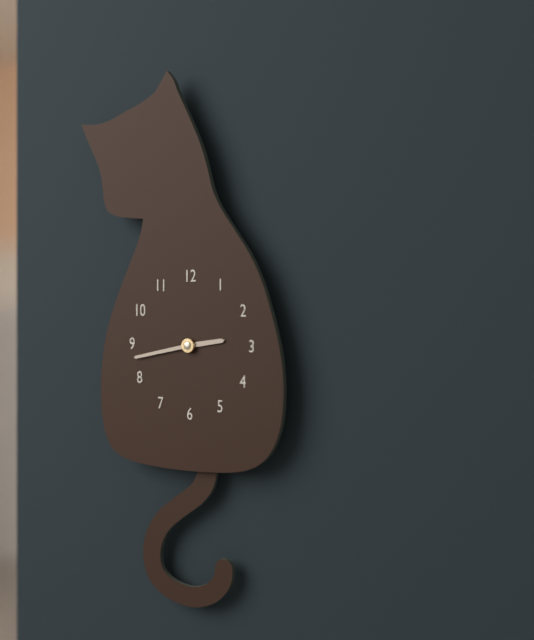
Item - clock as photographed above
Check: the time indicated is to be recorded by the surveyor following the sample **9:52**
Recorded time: **2:43**
